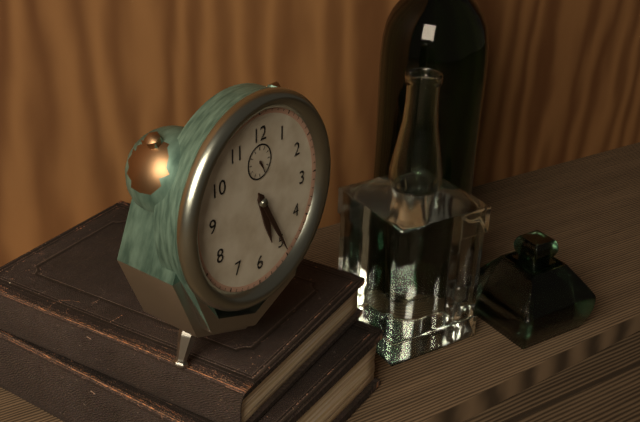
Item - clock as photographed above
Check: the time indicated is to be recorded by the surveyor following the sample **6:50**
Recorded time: **5:25**
